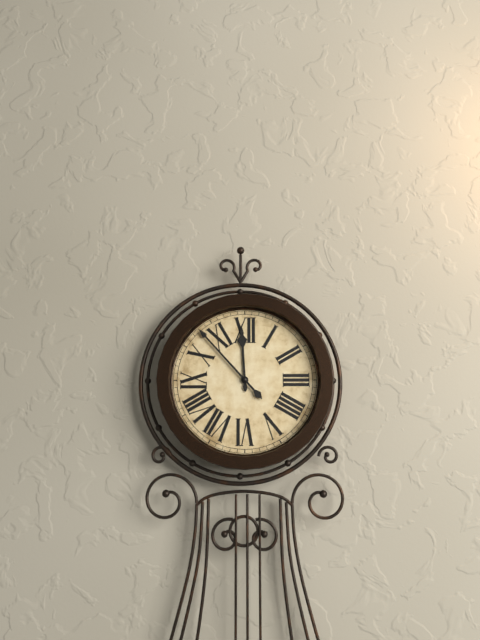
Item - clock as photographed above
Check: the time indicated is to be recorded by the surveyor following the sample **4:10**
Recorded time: **11:53**
